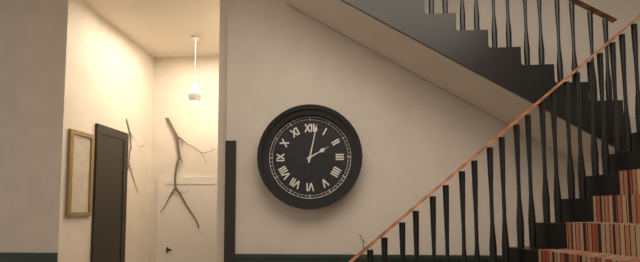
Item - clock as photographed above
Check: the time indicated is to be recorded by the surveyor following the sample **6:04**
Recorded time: **2:02**
